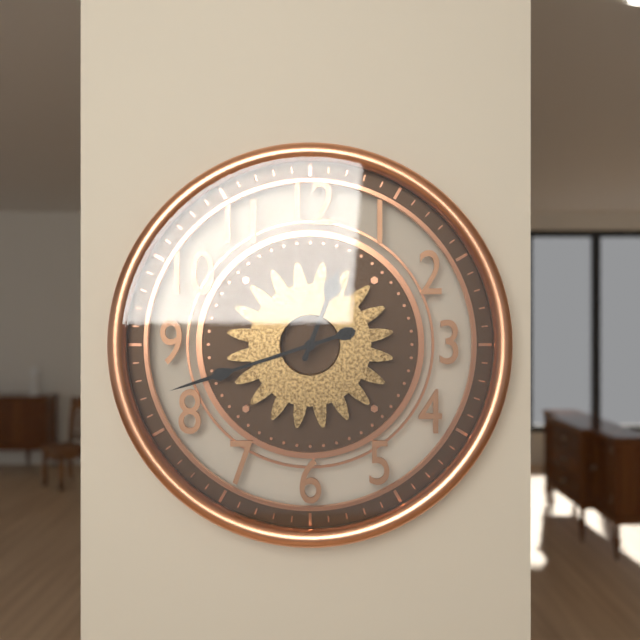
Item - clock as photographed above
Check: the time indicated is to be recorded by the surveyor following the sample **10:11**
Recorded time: **12:42**
